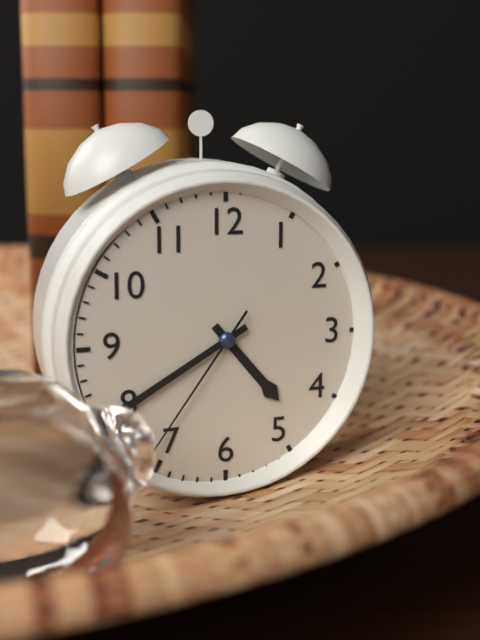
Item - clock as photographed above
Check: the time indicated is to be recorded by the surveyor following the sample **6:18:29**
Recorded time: **4:40:36**
